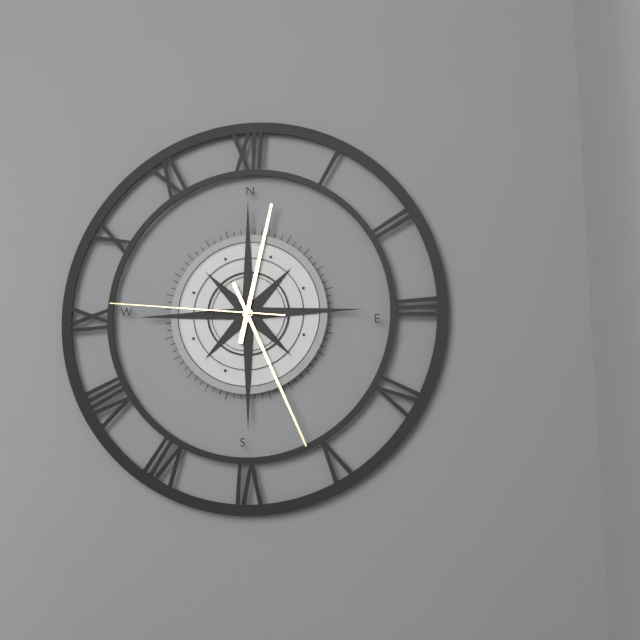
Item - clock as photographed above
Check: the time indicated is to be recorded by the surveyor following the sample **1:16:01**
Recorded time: **12:26:46**
